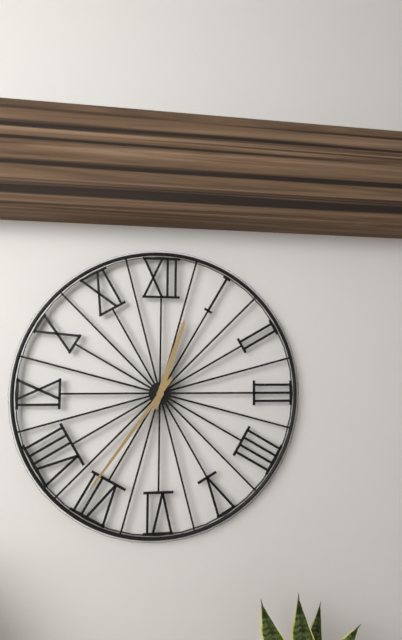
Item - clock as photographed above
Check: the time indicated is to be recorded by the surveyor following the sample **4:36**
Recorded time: **12:36**
